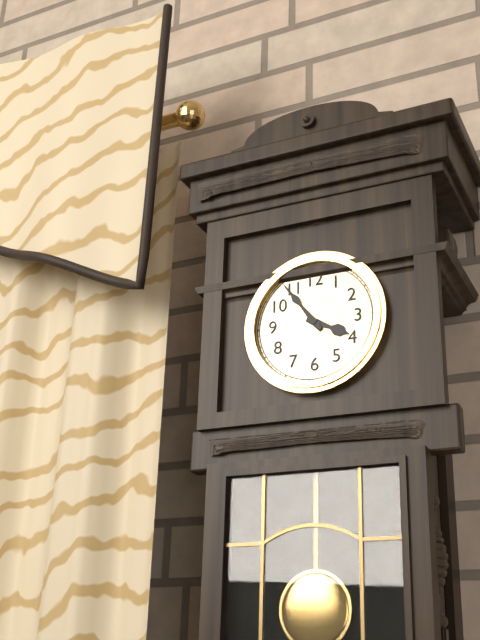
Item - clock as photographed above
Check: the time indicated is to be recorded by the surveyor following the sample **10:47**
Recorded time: **3:54**
